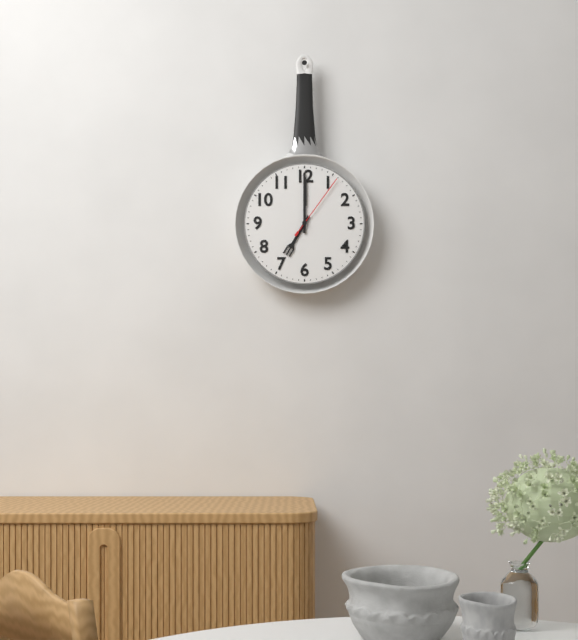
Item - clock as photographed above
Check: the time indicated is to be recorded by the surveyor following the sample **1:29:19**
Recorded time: **7:00:06**
